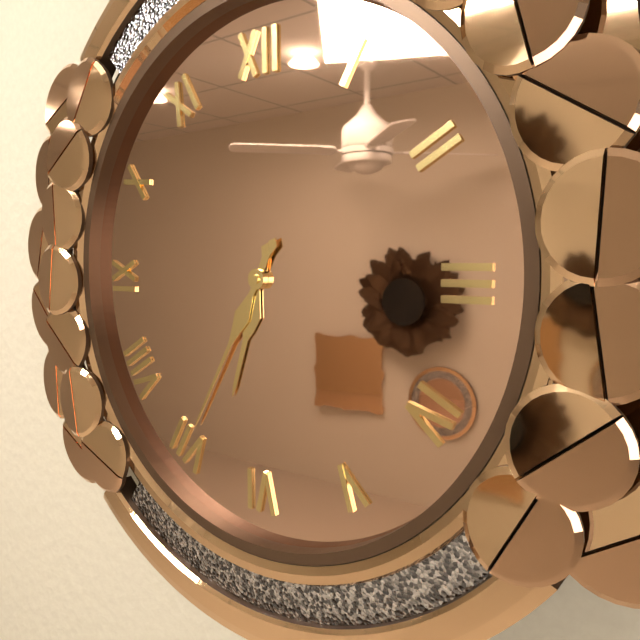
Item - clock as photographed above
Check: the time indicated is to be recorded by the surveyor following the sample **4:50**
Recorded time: **6:35**
